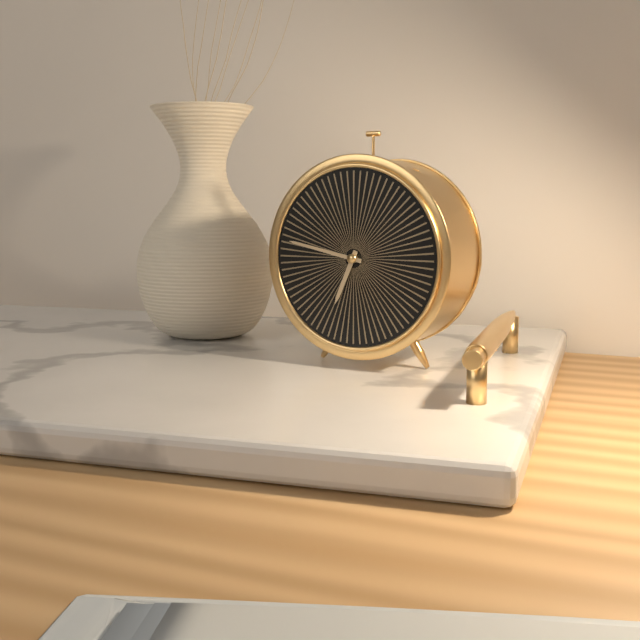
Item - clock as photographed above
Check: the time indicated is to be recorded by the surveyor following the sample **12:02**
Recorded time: **6:47**
